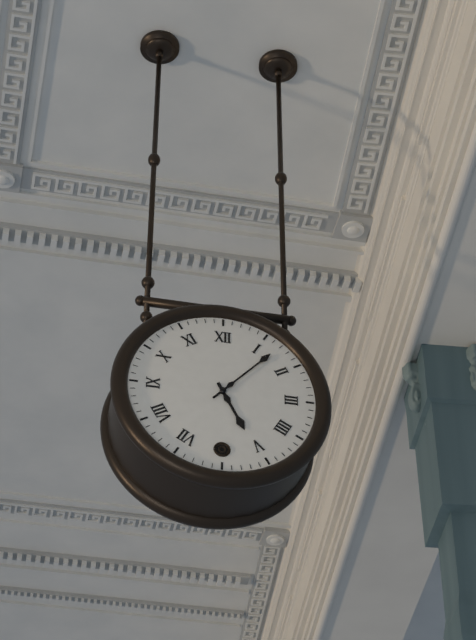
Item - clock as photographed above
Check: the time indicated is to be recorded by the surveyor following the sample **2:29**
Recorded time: **5:07**
